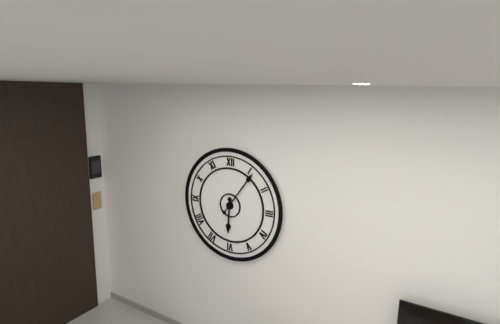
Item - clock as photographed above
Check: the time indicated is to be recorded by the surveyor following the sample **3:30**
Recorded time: **6:06**
